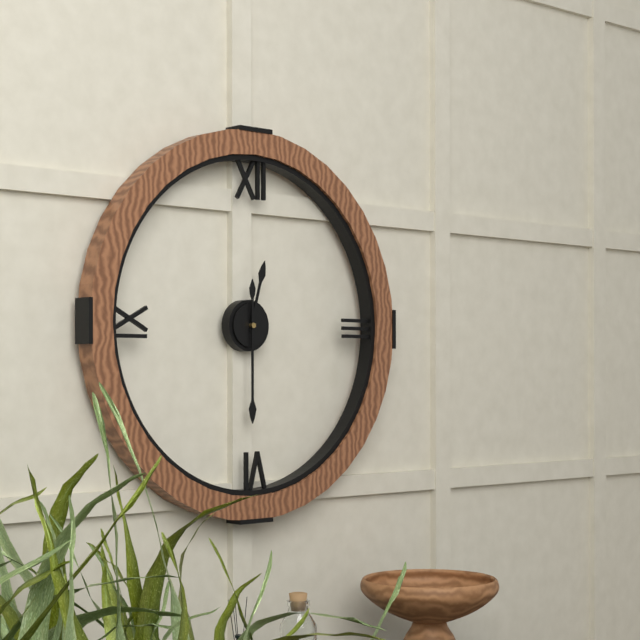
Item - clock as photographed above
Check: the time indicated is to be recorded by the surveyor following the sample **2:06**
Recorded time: **12:30**
